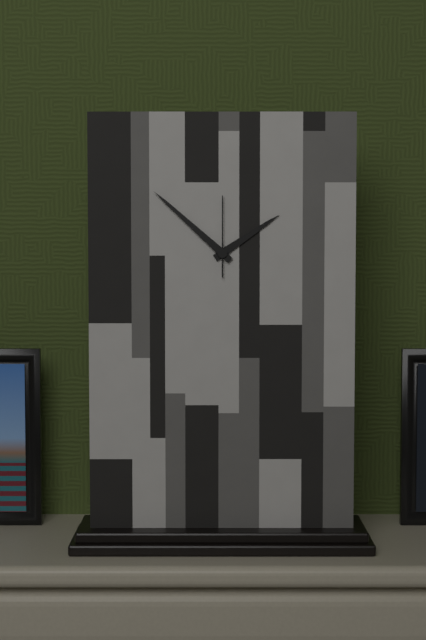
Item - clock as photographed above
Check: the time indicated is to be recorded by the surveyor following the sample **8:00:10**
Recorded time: **1:52:00**
